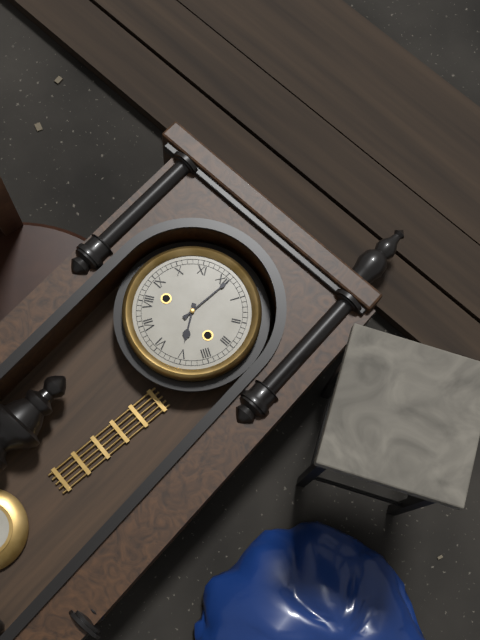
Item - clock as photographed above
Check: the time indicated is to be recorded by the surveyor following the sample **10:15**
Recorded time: **5:01**
